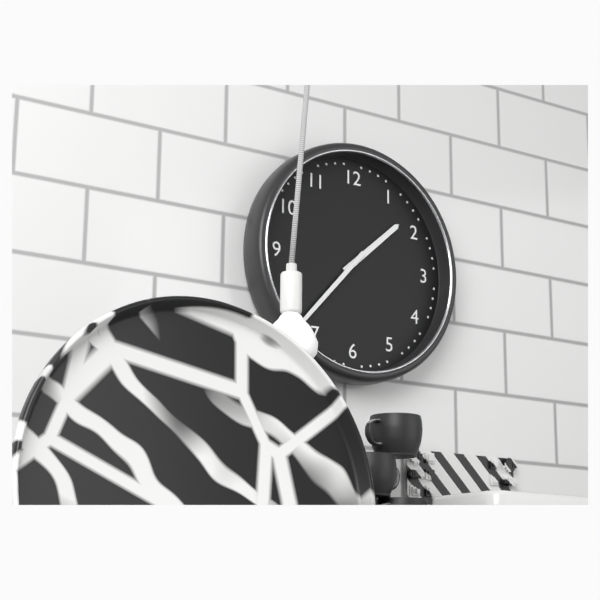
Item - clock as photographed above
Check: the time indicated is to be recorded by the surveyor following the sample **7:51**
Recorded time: **1:37**
